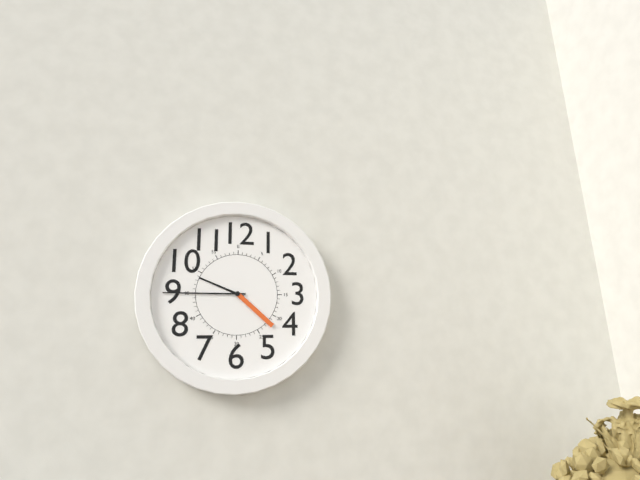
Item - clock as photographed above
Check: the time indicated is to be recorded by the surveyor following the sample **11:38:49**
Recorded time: **9:45:22**
